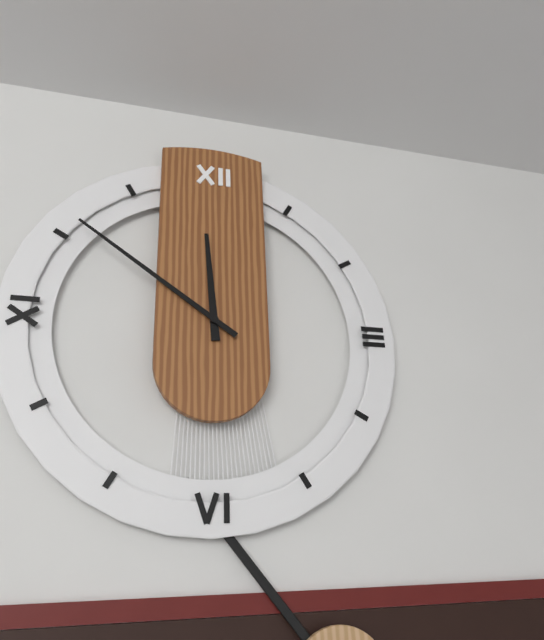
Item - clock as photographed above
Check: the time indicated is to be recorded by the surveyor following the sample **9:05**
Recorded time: **11:51**
